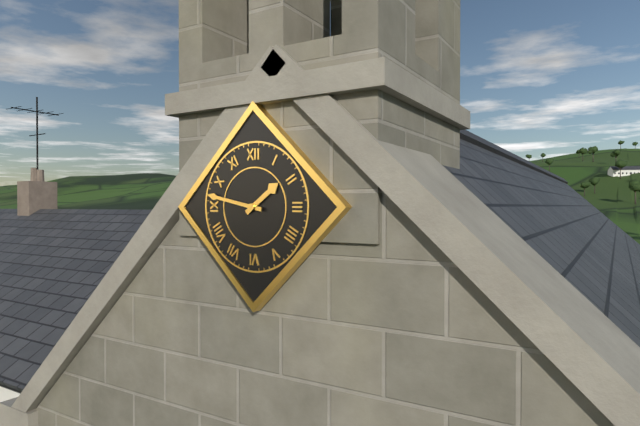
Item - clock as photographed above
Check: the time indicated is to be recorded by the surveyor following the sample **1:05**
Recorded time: **1:47**
